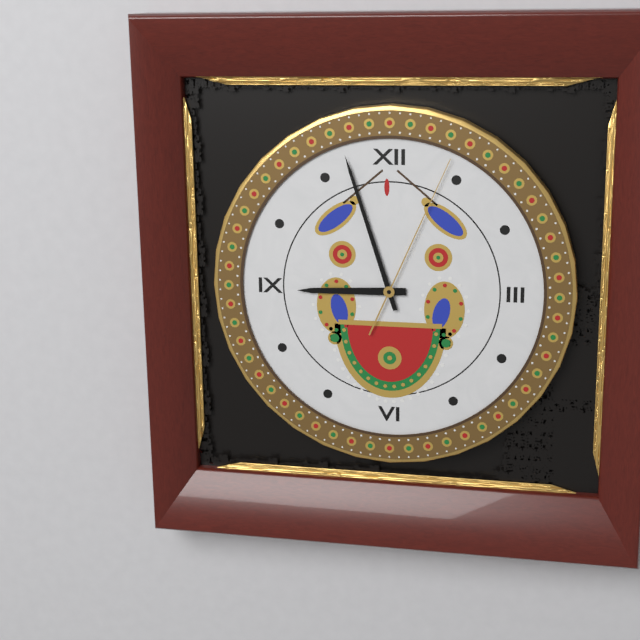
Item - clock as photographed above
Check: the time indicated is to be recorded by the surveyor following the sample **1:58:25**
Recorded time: **8:57:04**
